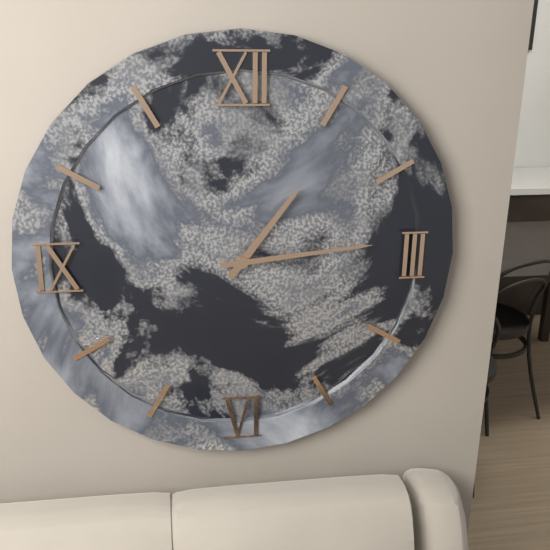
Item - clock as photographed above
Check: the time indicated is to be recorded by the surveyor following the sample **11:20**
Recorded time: **1:14**
